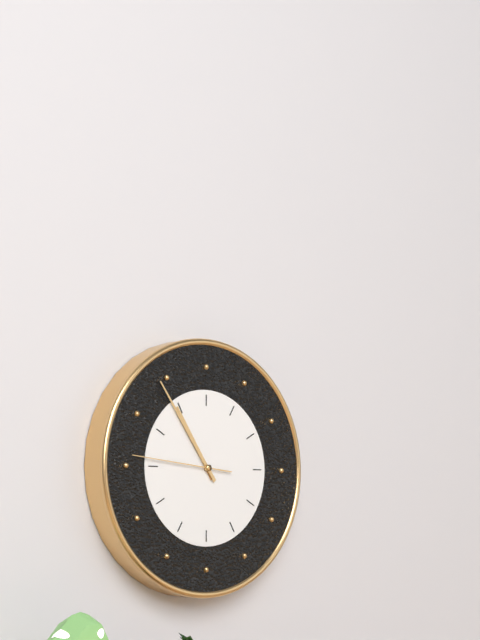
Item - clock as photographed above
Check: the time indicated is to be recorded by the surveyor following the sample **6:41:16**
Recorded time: **10:54:46**
